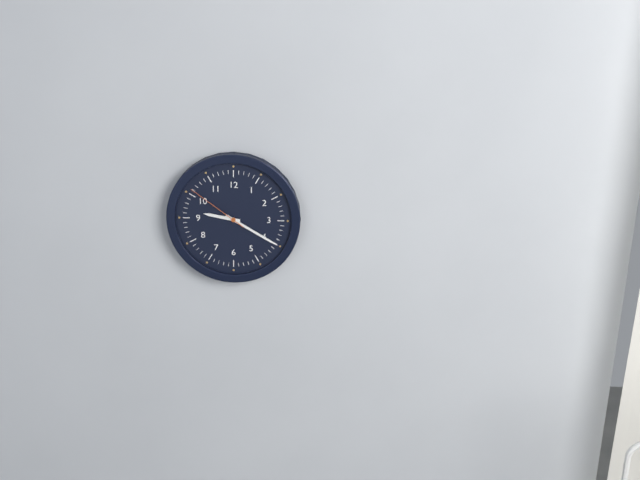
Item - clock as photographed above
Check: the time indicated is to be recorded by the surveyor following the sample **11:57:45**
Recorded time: **9:20:51**
